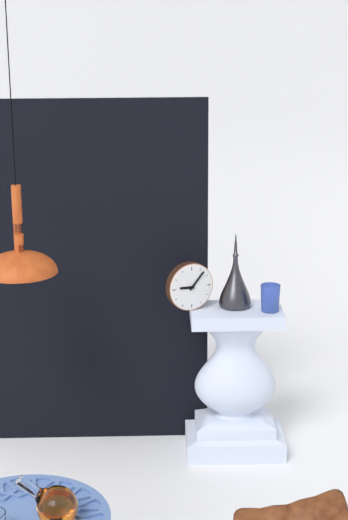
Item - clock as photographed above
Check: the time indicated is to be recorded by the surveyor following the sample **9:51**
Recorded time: **9:07**
